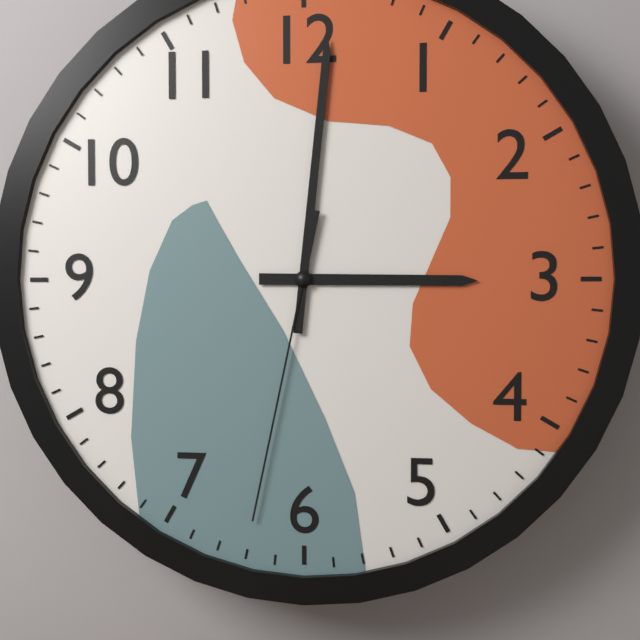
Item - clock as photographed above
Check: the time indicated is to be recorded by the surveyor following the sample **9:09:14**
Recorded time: **3:01:32**
